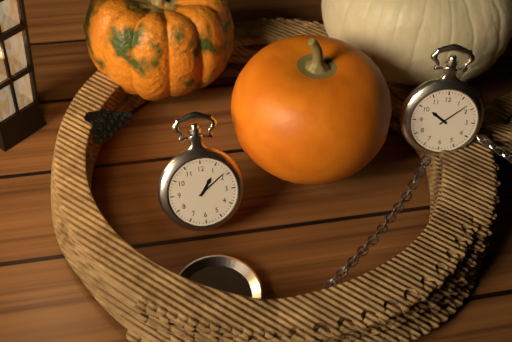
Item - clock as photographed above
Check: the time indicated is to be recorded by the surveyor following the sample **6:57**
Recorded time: **1:09**
